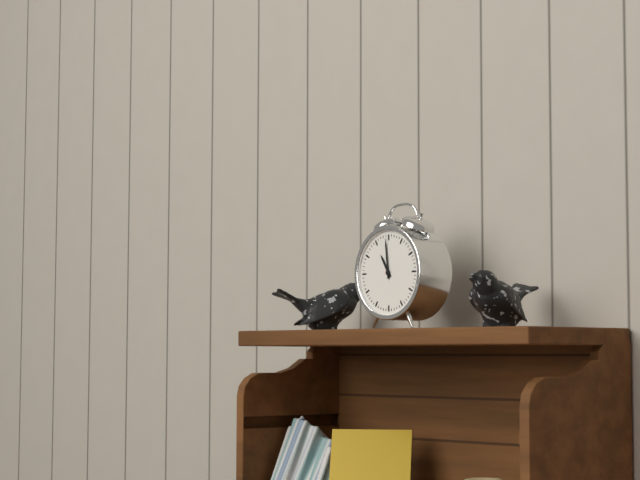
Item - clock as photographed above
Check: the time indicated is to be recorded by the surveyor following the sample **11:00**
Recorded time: **10:59**
